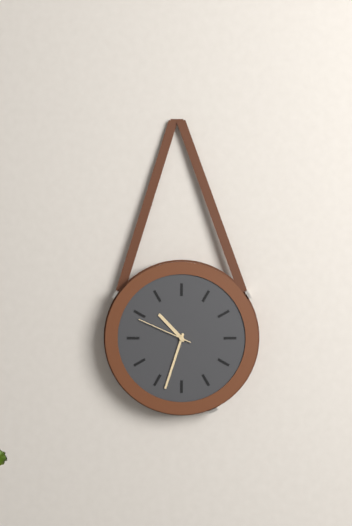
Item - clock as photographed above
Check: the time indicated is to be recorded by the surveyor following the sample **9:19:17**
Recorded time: **10:33:49**
